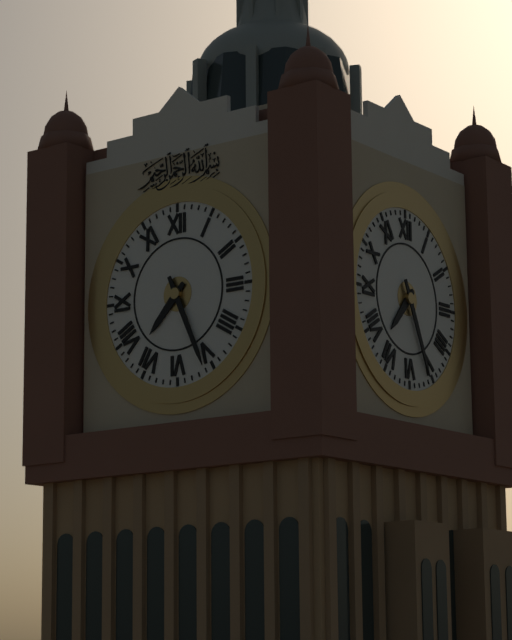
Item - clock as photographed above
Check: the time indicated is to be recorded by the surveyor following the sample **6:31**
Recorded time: **7:26**
